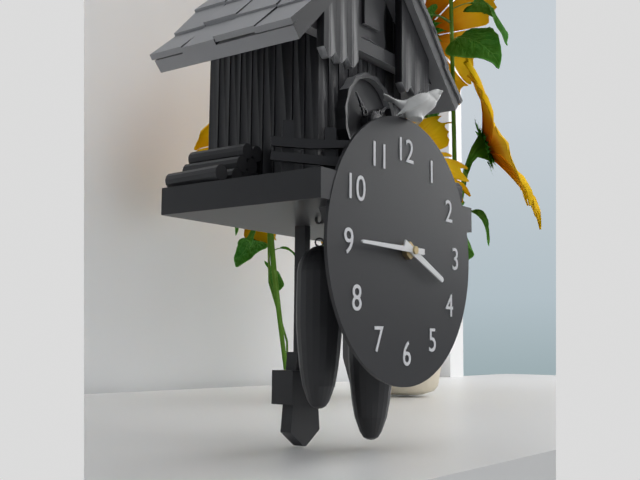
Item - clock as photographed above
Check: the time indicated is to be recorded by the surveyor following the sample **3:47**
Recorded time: **3:45**
